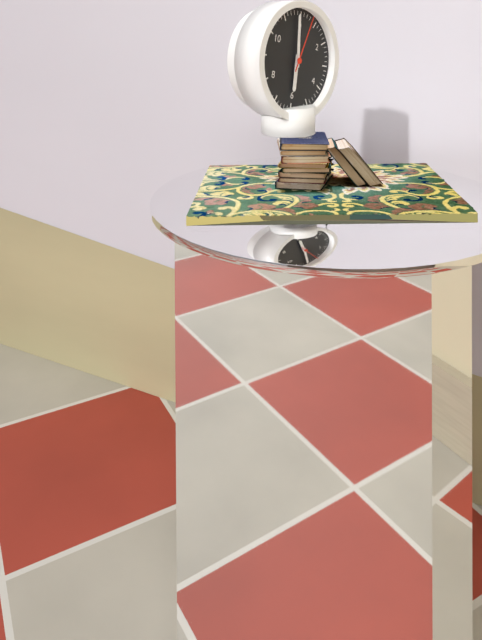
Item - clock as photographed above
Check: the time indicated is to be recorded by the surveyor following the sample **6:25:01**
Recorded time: **5:59:03**
